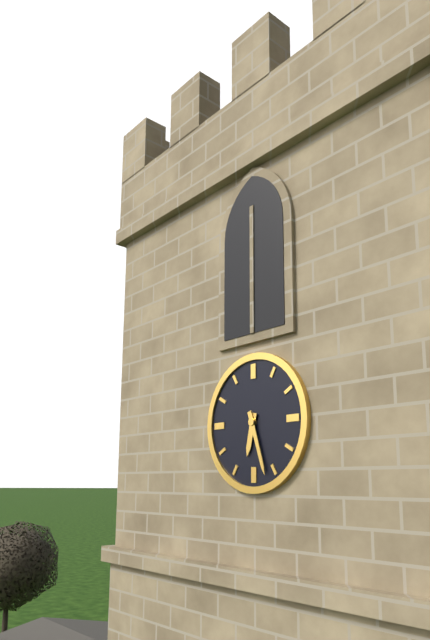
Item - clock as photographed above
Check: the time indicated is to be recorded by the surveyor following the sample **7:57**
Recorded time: **6:27**
